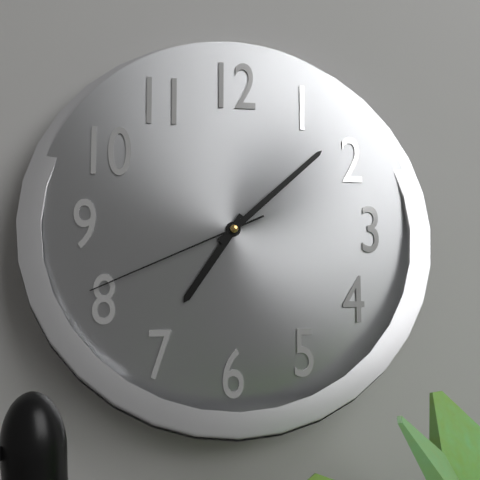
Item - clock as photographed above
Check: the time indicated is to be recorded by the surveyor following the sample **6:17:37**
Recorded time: **7:08:41**
